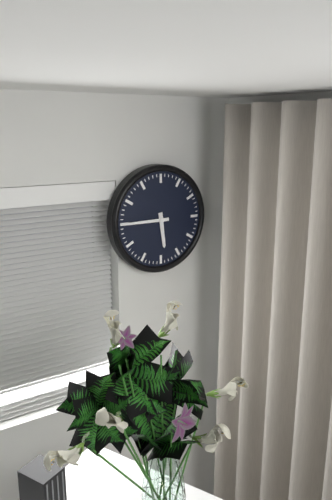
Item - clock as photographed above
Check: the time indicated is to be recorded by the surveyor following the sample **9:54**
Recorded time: **5:45**
